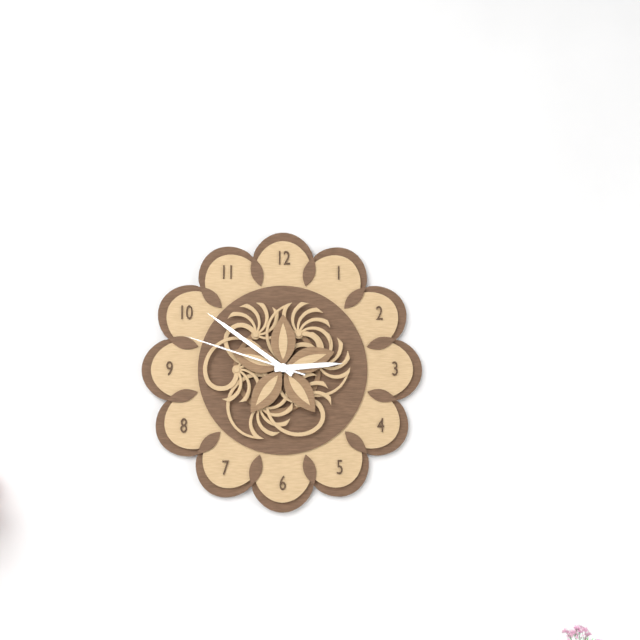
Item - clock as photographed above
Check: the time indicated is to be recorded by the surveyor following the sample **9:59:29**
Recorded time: **2:51:48**
